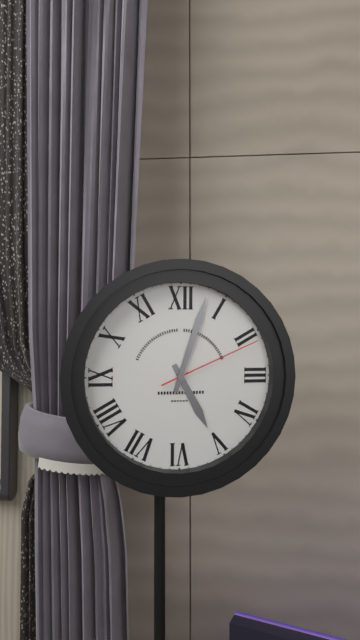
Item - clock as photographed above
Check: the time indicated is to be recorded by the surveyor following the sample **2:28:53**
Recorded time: **5:03:11**
